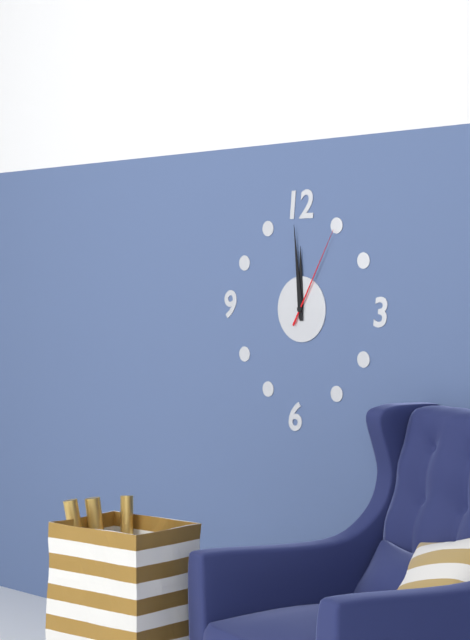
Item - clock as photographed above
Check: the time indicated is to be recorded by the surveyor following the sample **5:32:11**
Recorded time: **11:59:05**
